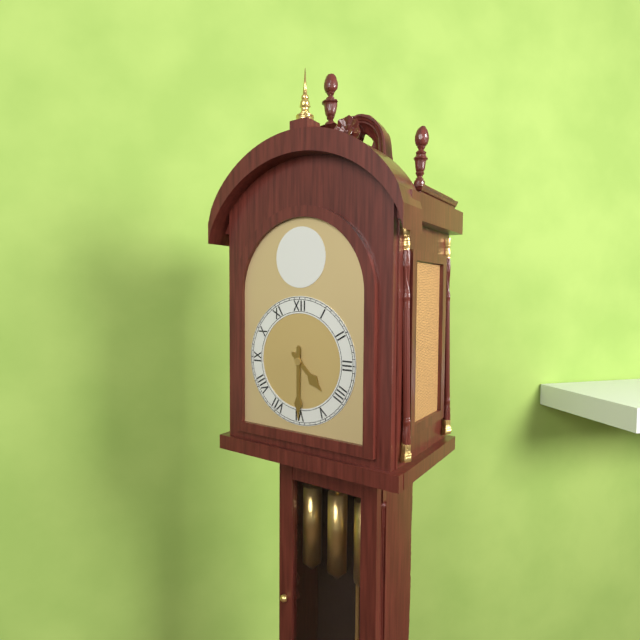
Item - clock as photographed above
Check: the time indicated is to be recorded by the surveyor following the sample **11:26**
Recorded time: **4:30**
